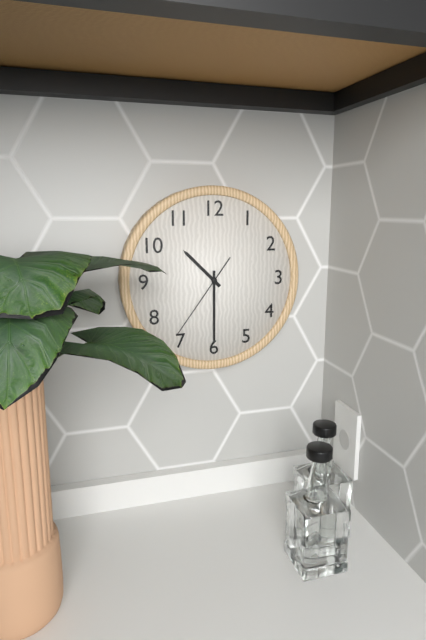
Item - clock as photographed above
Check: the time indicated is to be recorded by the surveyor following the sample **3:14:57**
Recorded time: **10:30:36**
